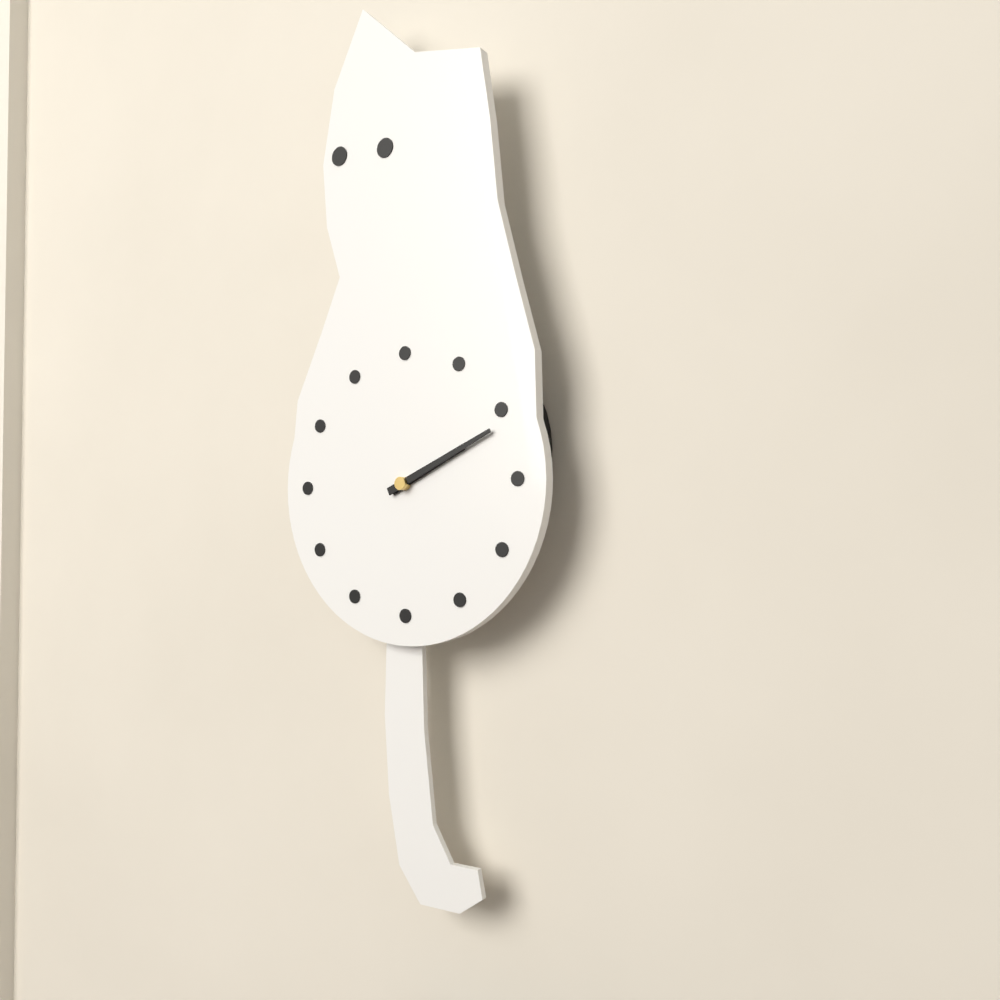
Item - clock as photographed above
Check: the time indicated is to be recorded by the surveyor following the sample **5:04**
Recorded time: **2:11**
